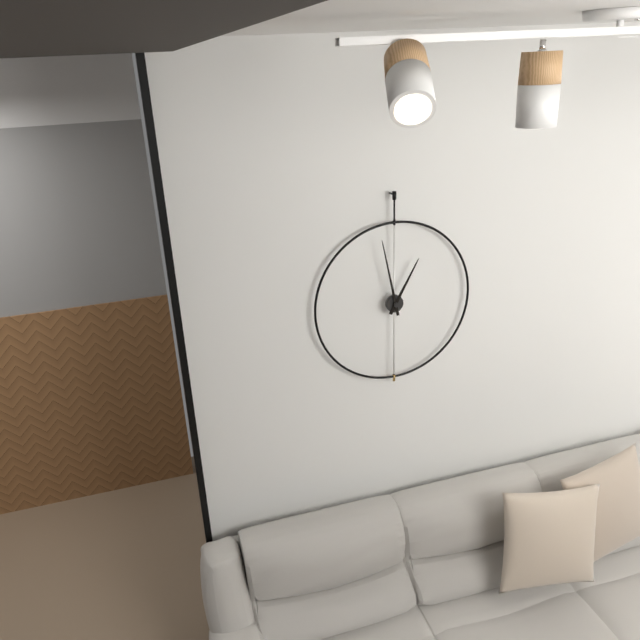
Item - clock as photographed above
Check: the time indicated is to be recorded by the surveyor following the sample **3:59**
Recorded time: **12:58**
